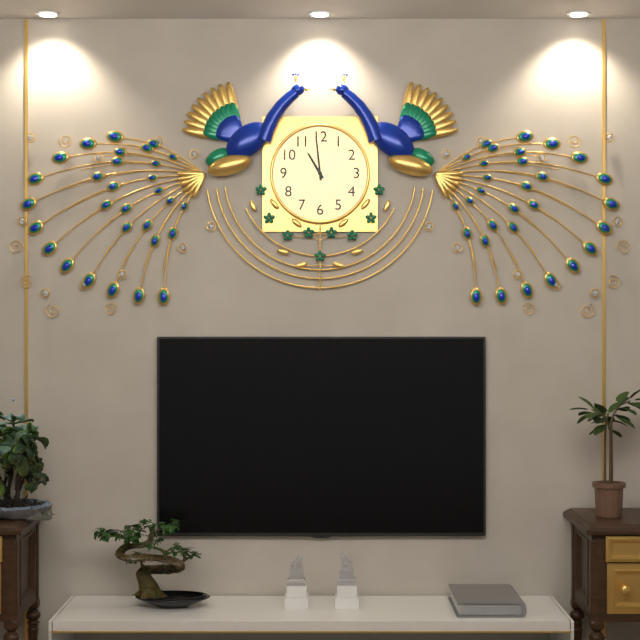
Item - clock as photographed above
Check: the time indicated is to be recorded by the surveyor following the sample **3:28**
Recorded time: **10:59**
